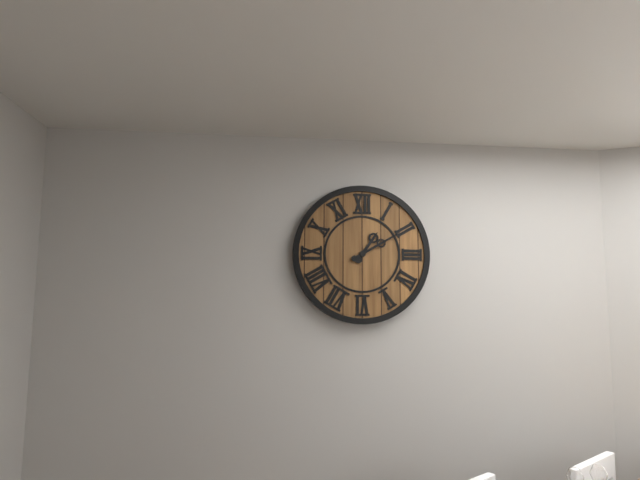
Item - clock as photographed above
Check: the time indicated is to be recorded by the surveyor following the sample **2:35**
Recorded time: **1:10**
